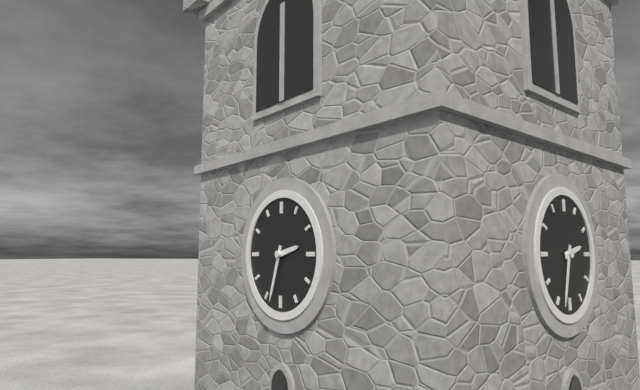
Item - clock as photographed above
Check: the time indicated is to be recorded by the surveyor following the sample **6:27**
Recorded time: **2:33**
